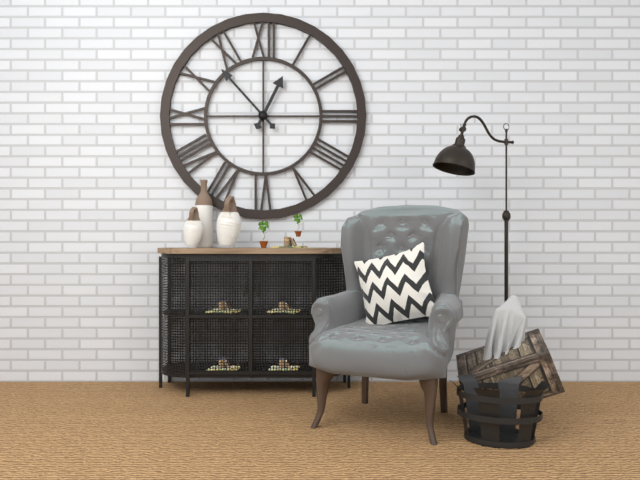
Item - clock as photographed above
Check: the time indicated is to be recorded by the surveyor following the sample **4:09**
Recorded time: **12:53**
